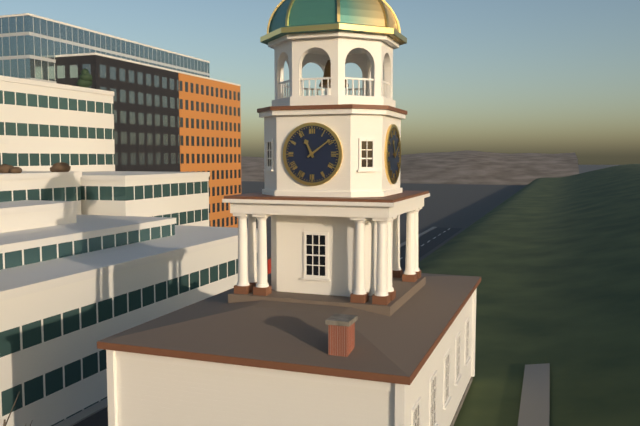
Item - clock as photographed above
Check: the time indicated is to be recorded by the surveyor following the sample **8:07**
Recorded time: **11:09**
